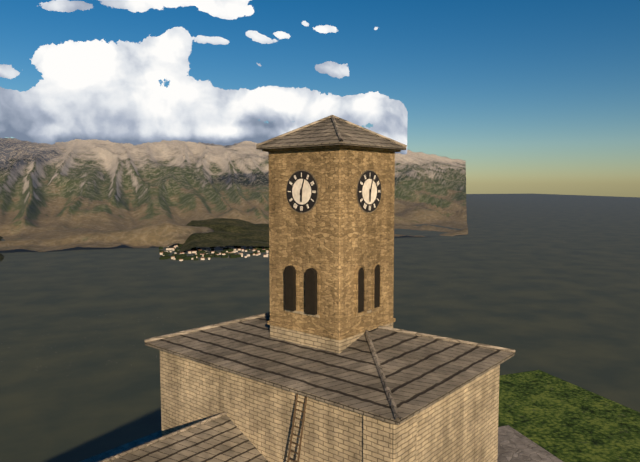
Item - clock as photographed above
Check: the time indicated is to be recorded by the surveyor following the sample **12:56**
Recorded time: **6:03**
